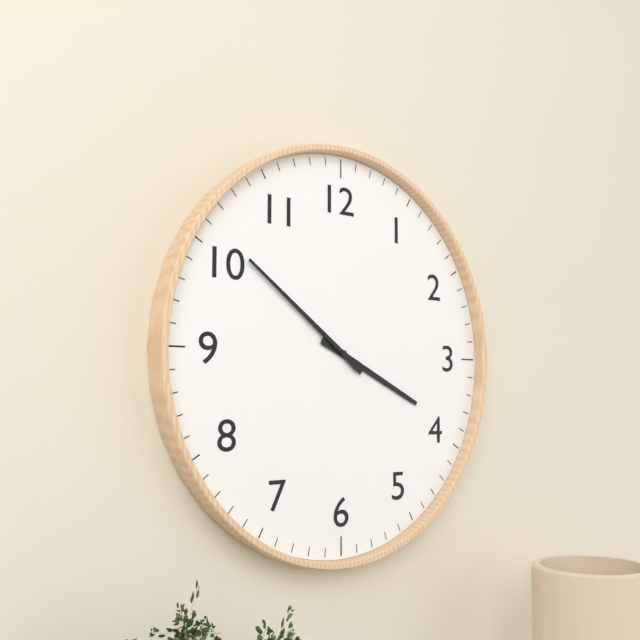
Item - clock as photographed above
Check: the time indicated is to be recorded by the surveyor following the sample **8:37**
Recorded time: **3:51**
